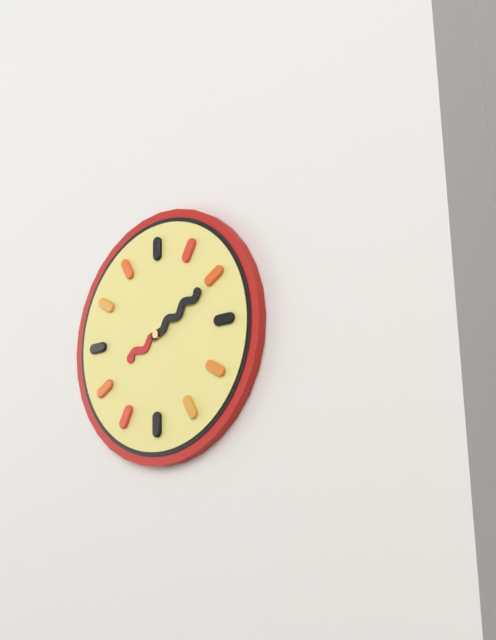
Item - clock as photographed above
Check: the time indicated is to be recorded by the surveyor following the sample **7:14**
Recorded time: **8:10**
